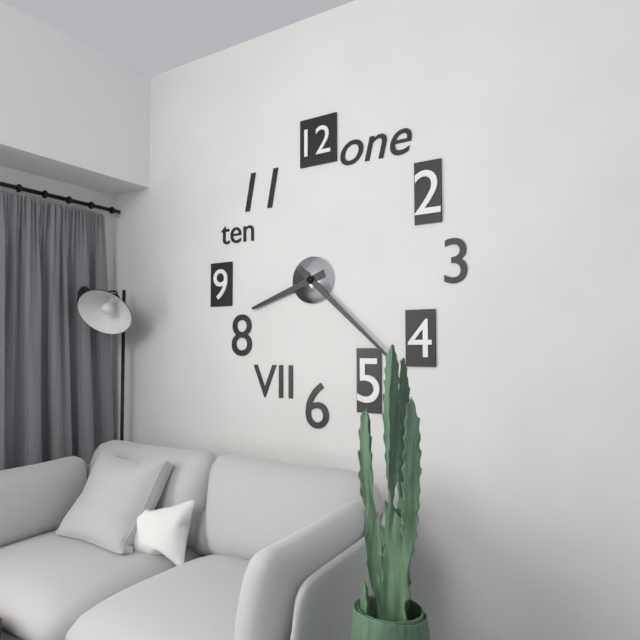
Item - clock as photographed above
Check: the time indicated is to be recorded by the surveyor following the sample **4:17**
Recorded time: **8:22**
